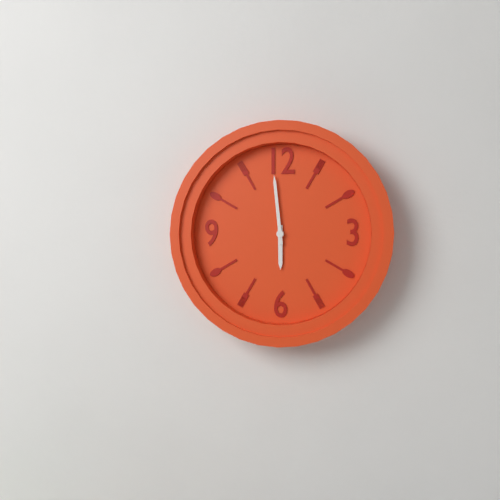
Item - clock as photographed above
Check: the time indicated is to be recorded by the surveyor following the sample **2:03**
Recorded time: **5:59**
